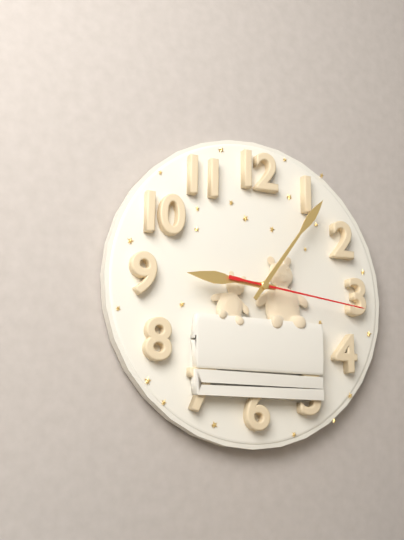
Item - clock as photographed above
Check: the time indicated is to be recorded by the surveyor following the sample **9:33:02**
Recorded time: **9:06:16**
